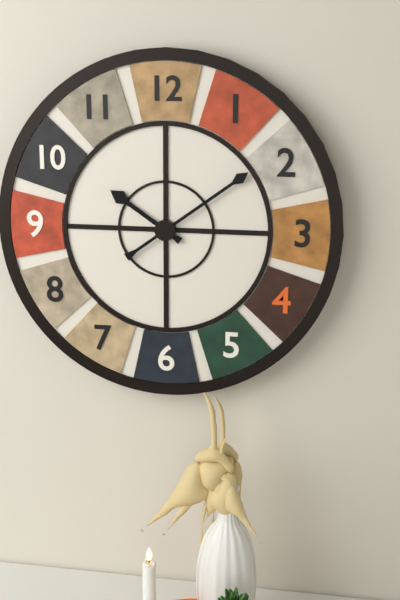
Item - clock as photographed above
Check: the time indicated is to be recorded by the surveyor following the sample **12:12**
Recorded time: **10:09**
